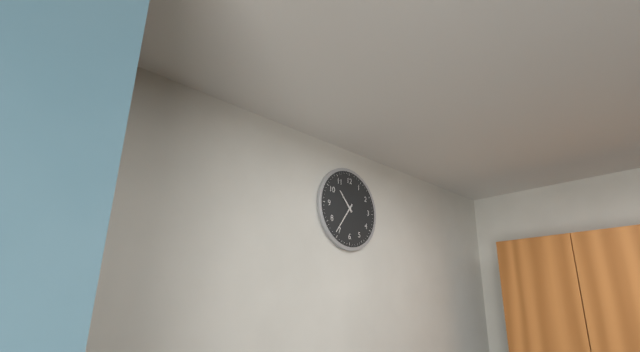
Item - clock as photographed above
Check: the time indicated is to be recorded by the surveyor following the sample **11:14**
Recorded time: **10:36**
